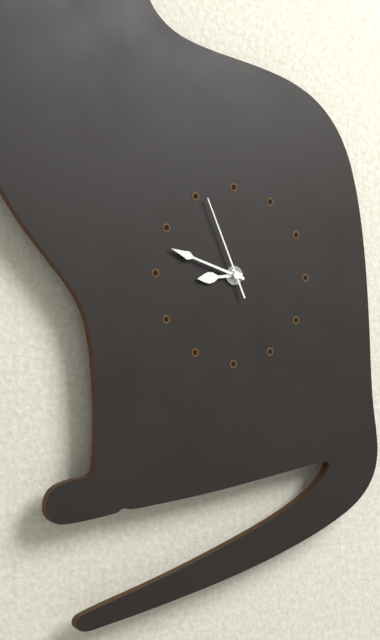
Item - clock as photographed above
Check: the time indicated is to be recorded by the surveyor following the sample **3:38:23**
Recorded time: **8:48:56**
